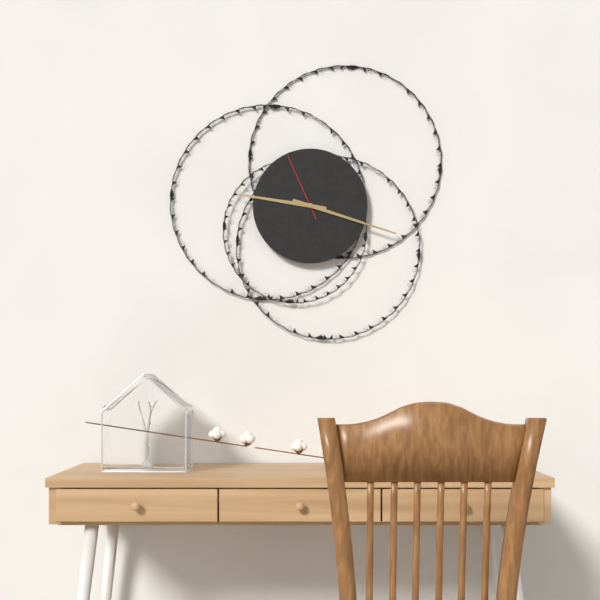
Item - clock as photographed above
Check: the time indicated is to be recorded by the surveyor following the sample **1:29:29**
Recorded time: **9:18:56**
